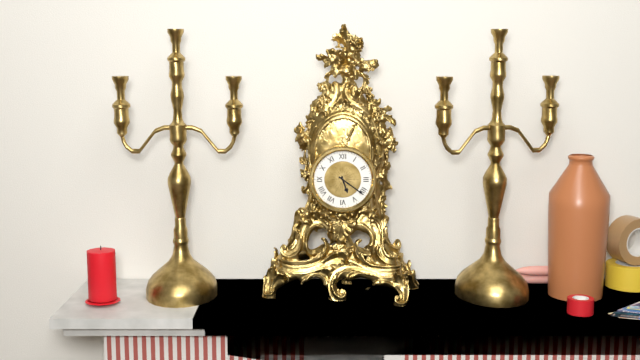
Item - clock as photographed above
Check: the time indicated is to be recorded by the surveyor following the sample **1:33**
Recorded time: **5:21**
